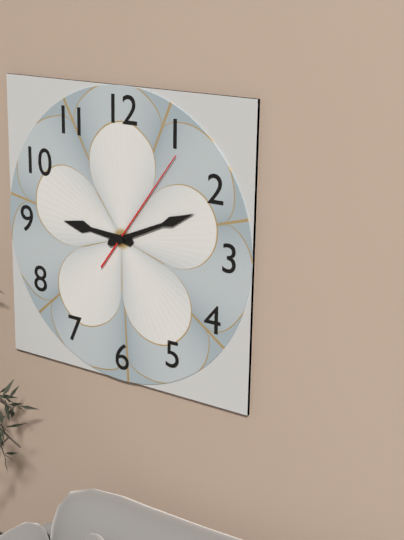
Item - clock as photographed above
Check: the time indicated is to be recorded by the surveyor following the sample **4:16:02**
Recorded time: **9:11:06**
